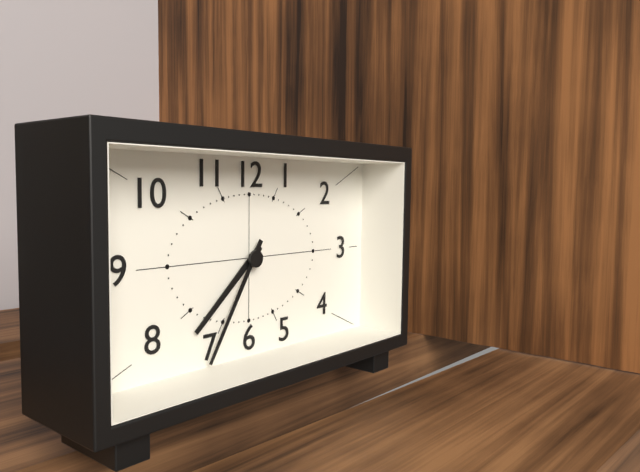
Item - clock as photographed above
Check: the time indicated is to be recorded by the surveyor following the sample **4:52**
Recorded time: **7:35**
